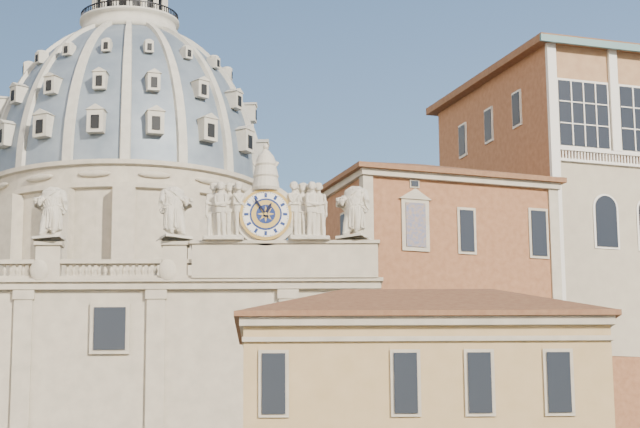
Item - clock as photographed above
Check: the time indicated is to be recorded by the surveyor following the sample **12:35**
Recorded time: **12:54**
